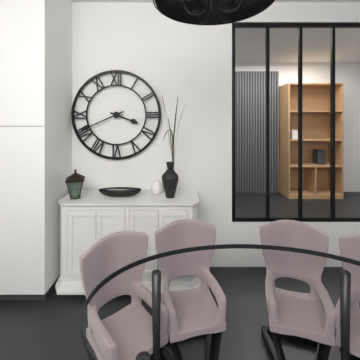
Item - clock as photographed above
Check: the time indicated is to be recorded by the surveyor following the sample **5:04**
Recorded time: **3:41**
